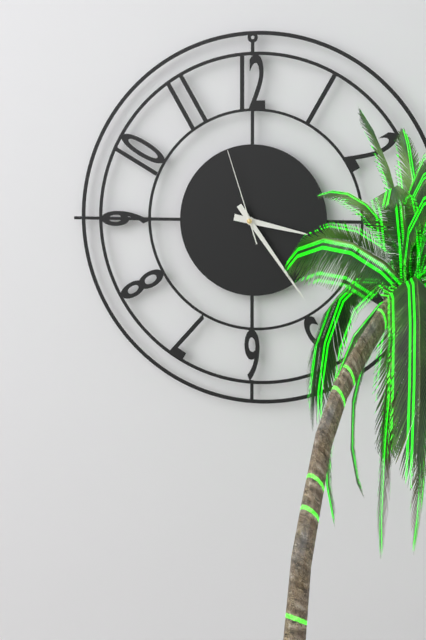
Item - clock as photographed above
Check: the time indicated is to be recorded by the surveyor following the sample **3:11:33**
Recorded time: **3:24:57**
